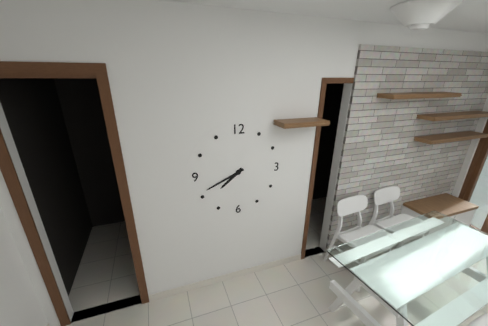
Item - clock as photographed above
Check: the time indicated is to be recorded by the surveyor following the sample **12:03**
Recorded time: **7:41**
